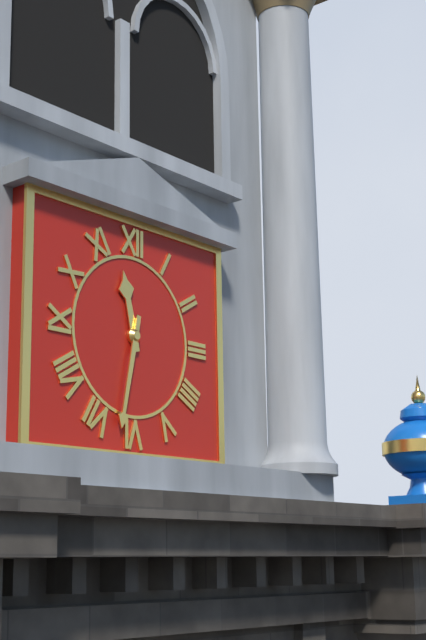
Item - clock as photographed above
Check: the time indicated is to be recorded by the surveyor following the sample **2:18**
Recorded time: **11:32**
